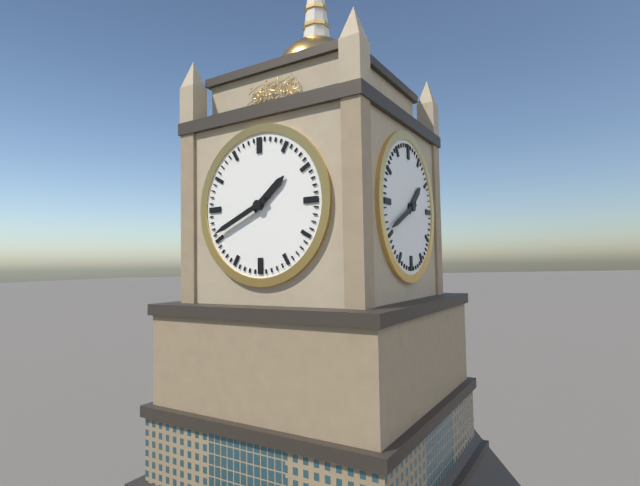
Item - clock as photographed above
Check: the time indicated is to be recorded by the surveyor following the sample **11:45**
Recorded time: **1:41**
